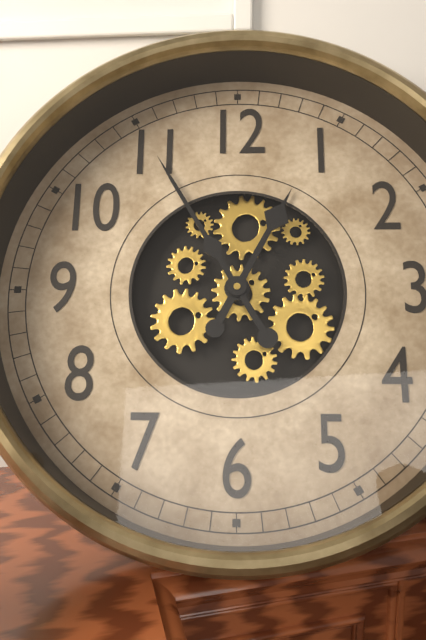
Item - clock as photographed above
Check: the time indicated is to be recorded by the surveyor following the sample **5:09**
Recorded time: **12:55**
